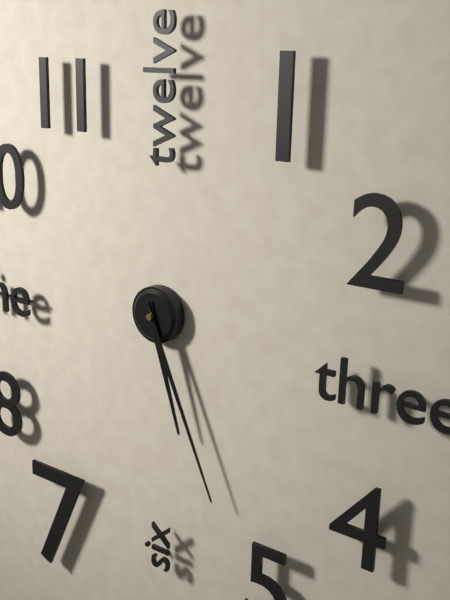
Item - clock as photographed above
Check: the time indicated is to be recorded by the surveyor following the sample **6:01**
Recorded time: **5:26**
